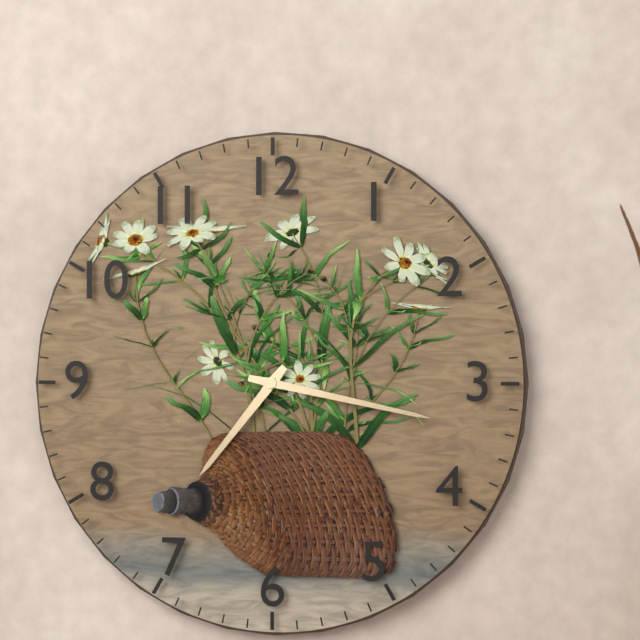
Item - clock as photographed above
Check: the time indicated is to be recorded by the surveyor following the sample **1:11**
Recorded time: **7:17**
